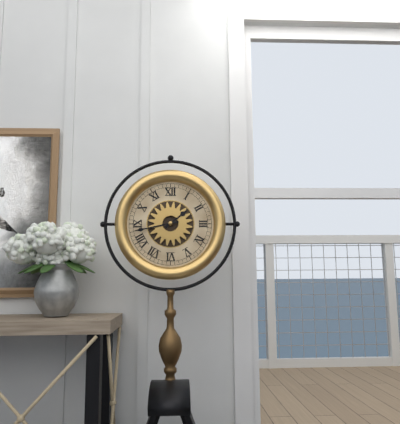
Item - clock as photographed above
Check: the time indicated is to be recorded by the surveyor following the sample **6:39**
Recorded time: **1:43**
